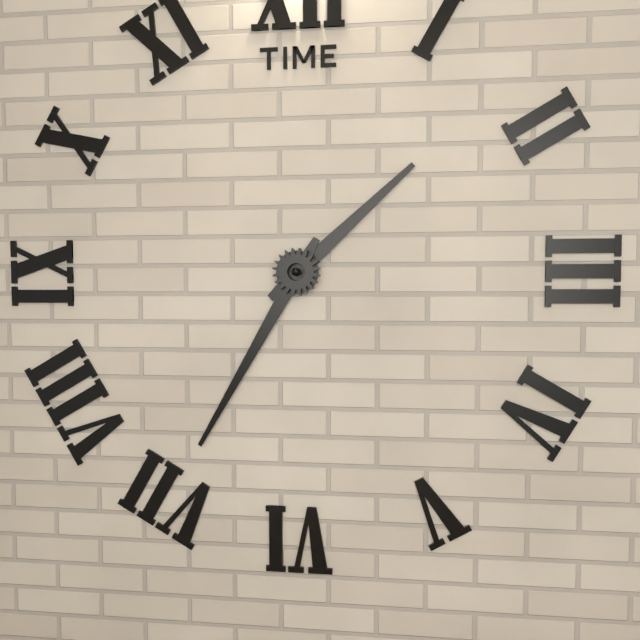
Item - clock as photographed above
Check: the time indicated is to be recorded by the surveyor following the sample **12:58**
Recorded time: **1:35**
